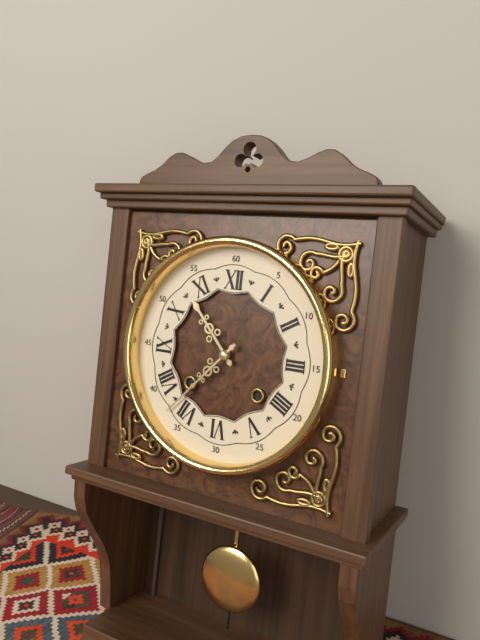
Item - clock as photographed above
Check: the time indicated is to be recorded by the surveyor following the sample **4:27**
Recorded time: **10:37**
